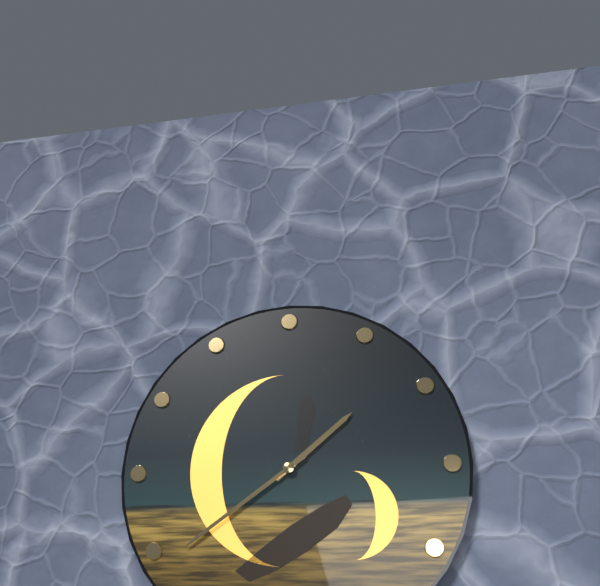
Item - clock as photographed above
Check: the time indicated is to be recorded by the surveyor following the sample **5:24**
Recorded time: **1:39**
